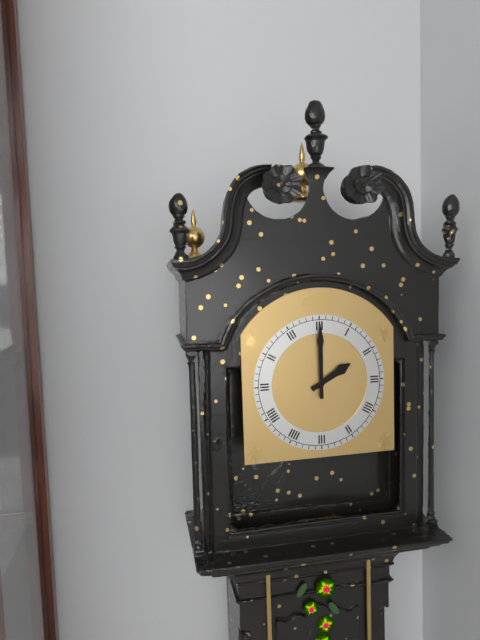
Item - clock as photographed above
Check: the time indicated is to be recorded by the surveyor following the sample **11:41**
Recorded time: **2:00**
